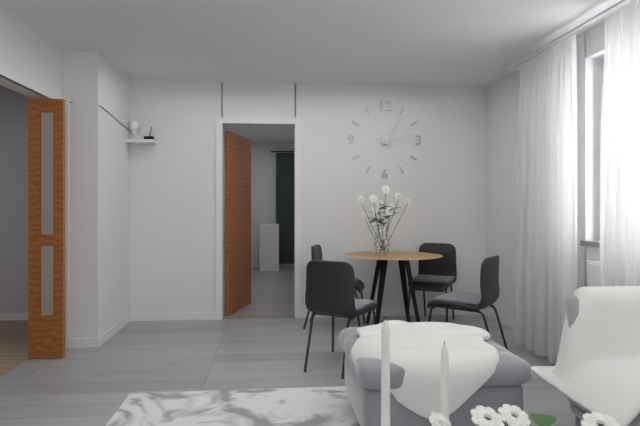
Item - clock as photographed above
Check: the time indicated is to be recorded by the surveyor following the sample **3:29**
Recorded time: **1:12**
